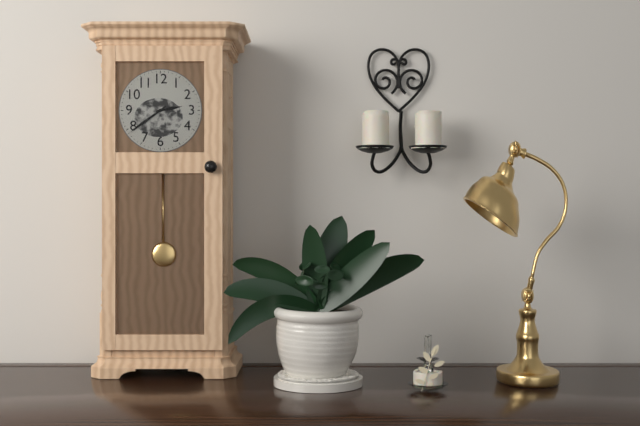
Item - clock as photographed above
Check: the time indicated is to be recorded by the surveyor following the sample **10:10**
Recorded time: **2:39**
